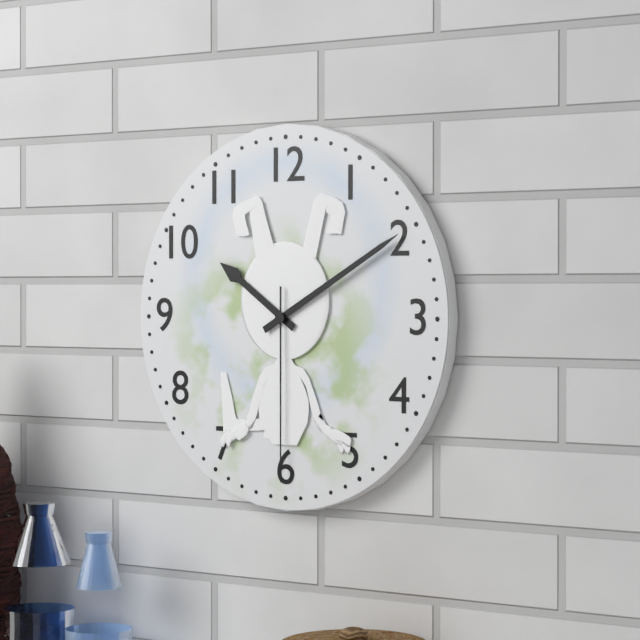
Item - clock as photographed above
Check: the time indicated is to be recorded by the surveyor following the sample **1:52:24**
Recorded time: **10:10:30**
